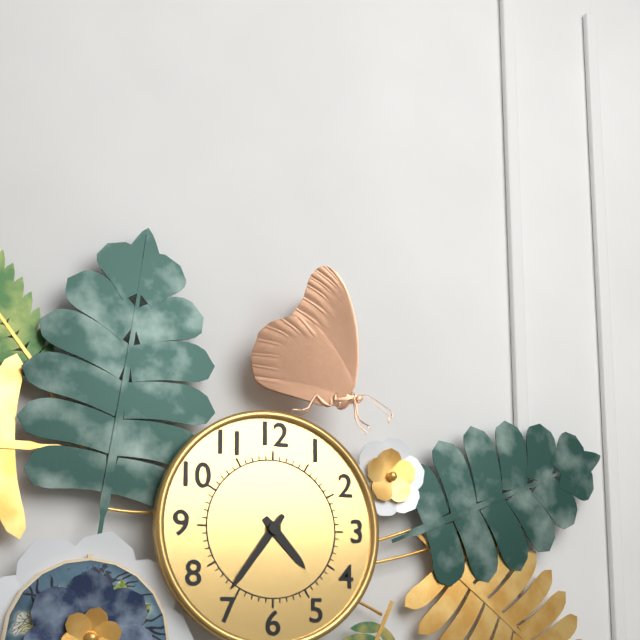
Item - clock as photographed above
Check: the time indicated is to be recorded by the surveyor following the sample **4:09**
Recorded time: **4:36**
